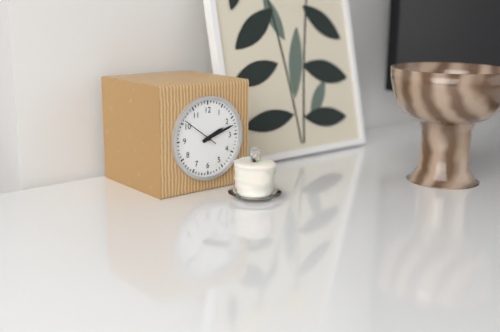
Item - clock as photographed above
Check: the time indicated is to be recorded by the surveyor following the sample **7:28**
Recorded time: **2:12**
